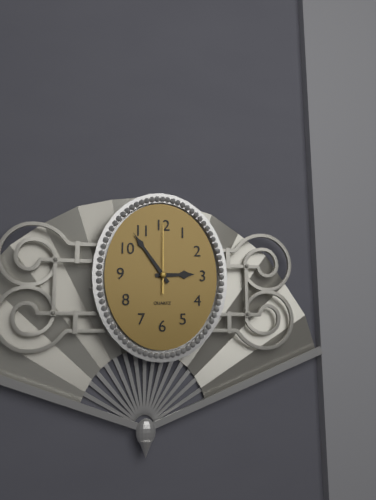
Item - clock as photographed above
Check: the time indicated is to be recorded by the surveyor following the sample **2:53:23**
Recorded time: **2:54:00**
